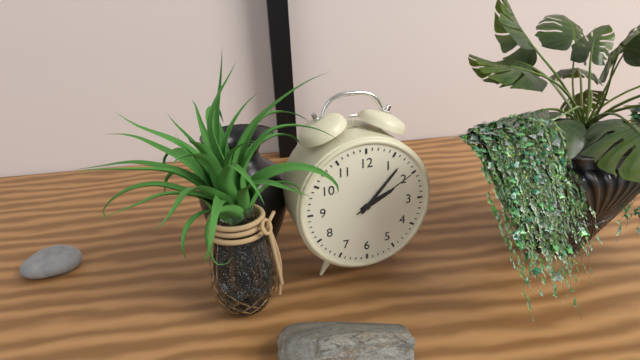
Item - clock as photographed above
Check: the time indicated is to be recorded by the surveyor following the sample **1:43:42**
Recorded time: **2:07:10**
